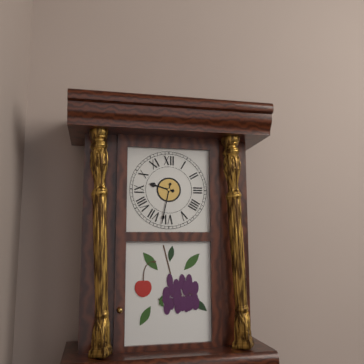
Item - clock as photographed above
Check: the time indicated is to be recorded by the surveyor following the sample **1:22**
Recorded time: **9:32**
